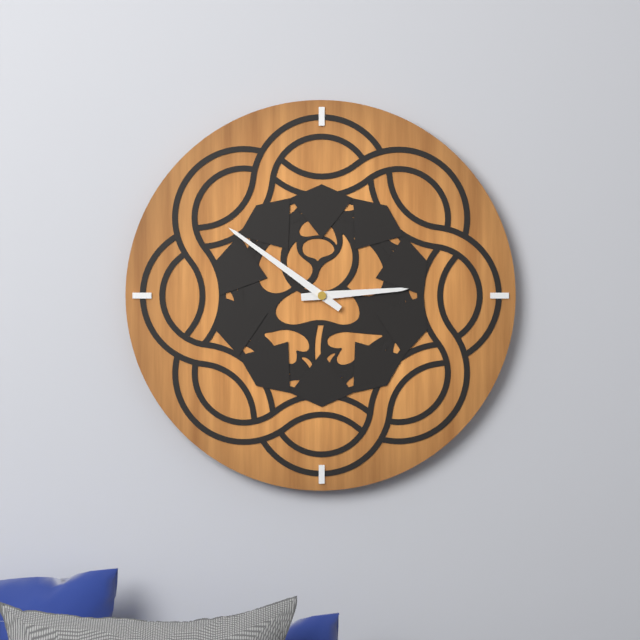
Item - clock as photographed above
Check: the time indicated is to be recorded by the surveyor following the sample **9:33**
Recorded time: **2:51**
